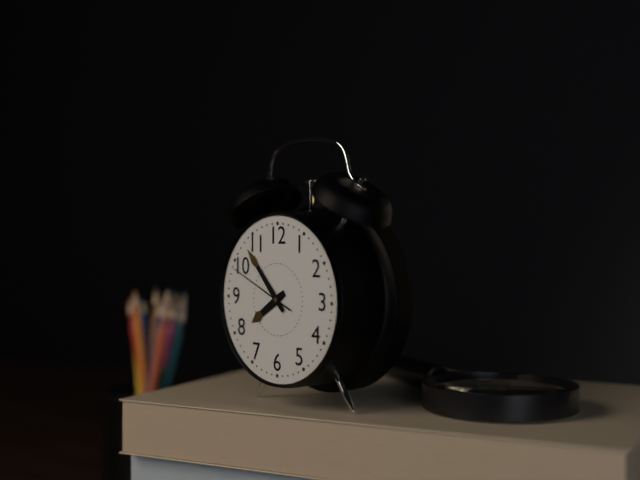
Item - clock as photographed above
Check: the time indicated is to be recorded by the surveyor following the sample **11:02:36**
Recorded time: **7:53:49**
